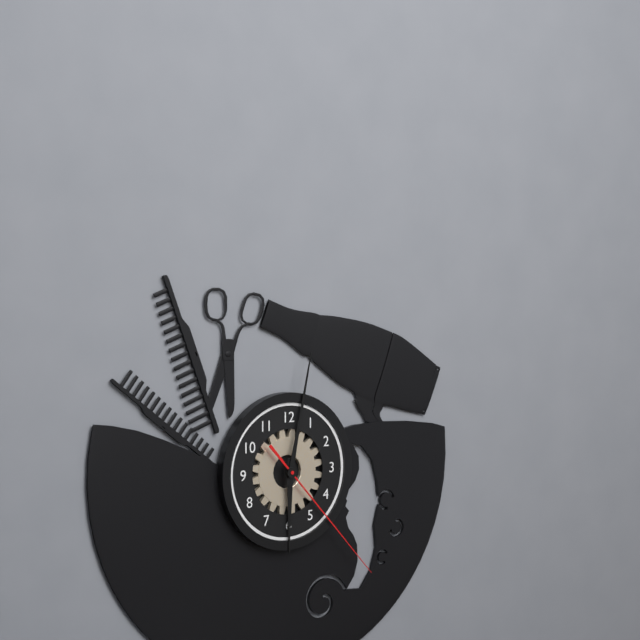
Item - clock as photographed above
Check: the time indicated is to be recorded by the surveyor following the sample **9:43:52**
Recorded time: **6:02:23**
